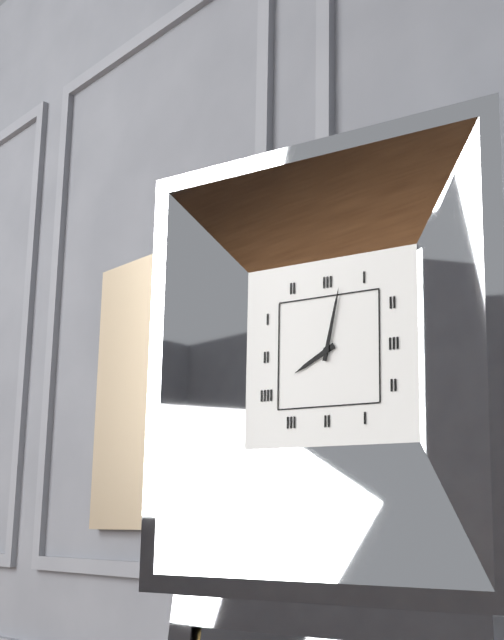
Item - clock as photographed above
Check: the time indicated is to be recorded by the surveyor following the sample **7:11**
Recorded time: **8:02**
